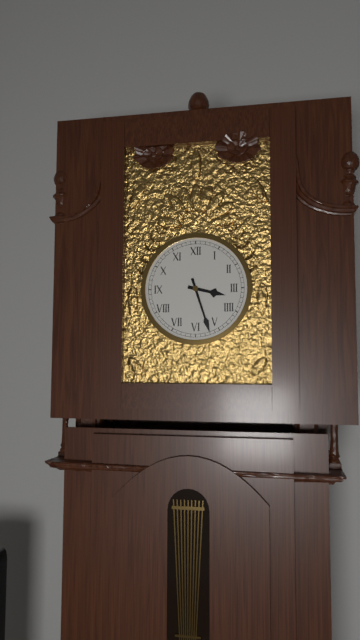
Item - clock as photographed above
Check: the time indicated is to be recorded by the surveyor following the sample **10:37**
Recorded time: **3:27**
